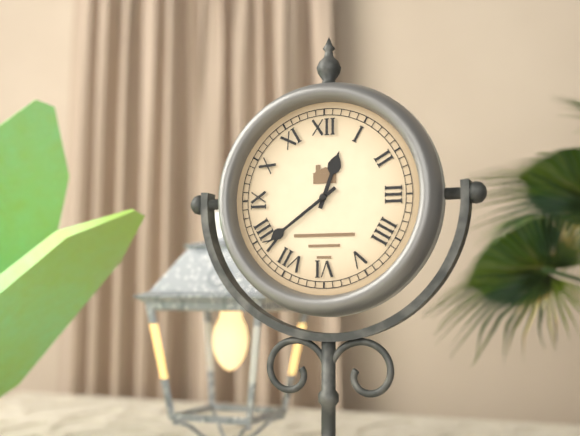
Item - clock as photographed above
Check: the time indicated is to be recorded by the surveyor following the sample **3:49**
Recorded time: **12:39**
